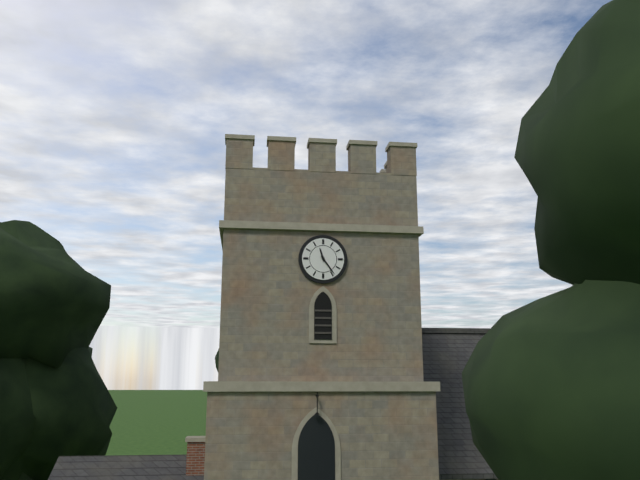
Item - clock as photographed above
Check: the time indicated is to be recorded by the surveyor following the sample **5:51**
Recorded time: **11:24**
